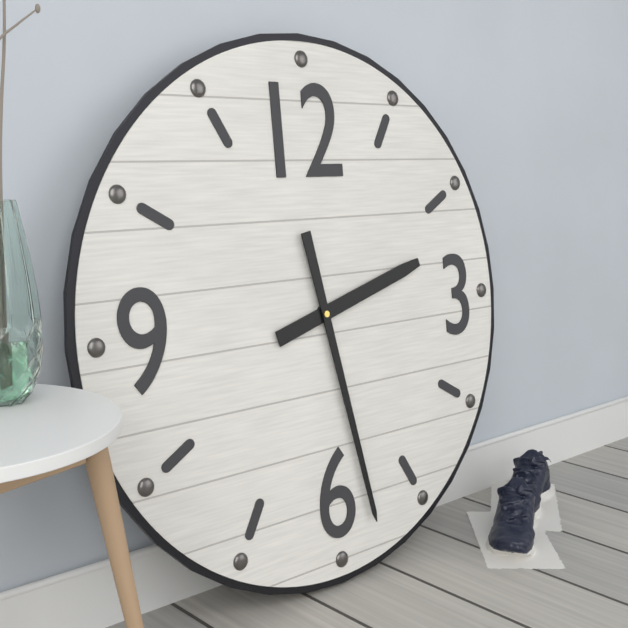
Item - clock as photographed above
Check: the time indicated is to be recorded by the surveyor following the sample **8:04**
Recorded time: **2:28**
